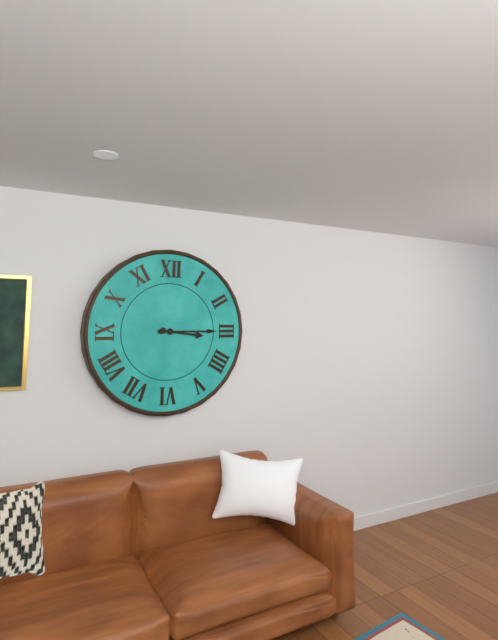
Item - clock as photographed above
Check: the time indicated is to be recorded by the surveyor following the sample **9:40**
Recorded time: **3:15**
